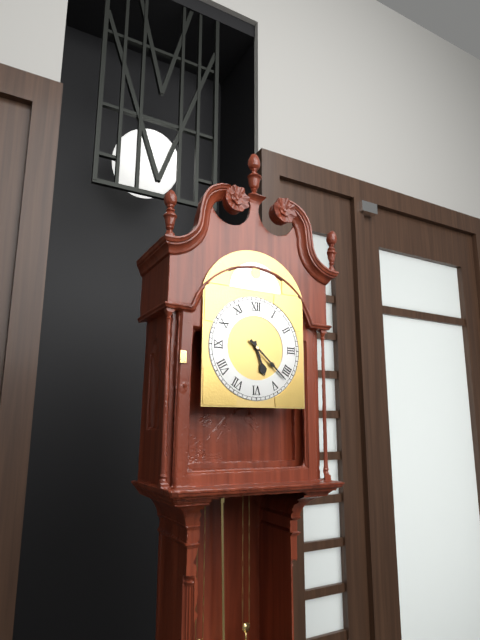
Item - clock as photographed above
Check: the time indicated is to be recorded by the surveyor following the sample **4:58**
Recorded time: **5:22**
